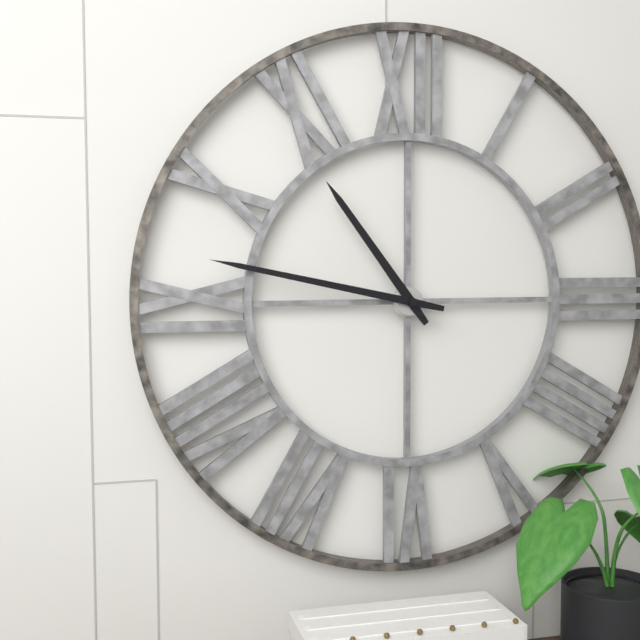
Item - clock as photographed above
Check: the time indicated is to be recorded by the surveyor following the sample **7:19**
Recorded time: **10:47**
